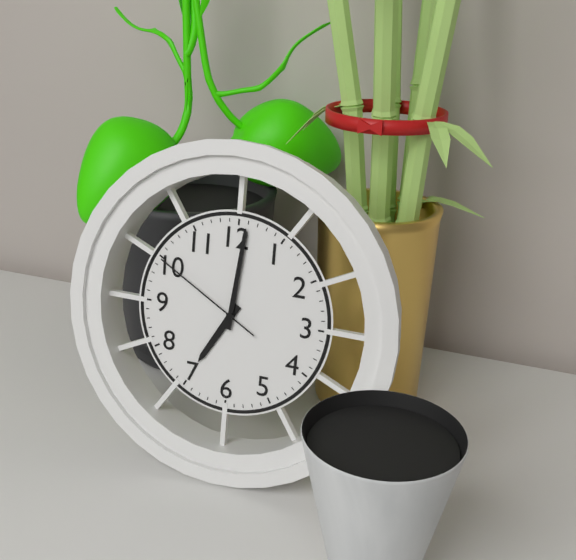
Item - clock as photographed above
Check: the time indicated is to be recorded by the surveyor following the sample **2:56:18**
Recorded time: **7:01:50**
